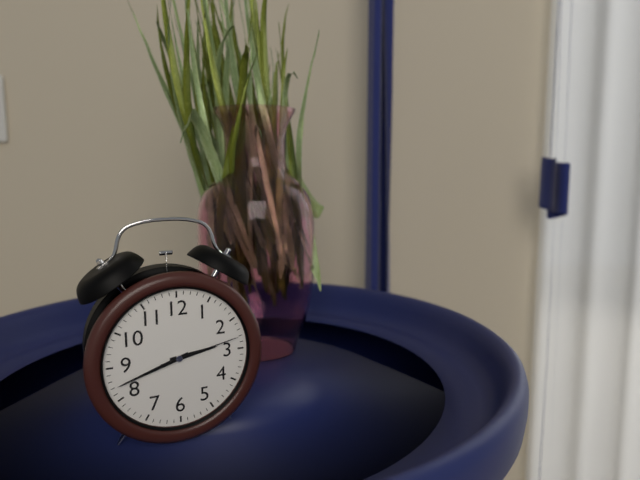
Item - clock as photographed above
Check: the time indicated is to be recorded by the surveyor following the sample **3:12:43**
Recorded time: **2:42:13**
